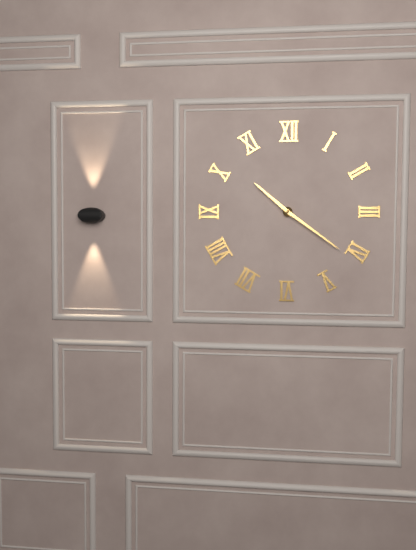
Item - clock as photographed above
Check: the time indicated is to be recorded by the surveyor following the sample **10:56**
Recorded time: **10:21**
